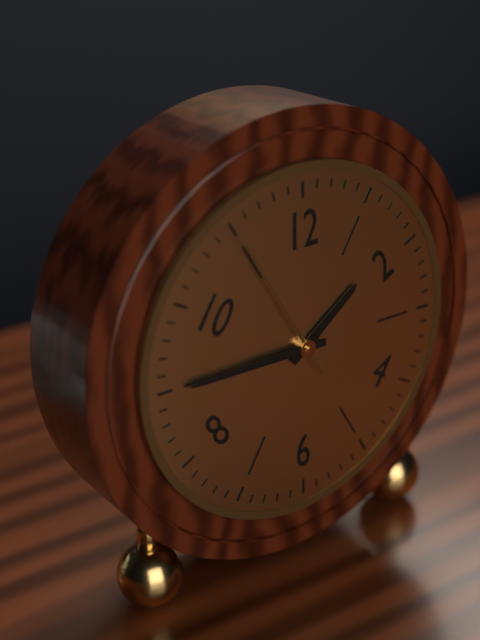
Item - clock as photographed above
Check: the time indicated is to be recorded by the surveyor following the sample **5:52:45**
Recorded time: **1:45:55**
